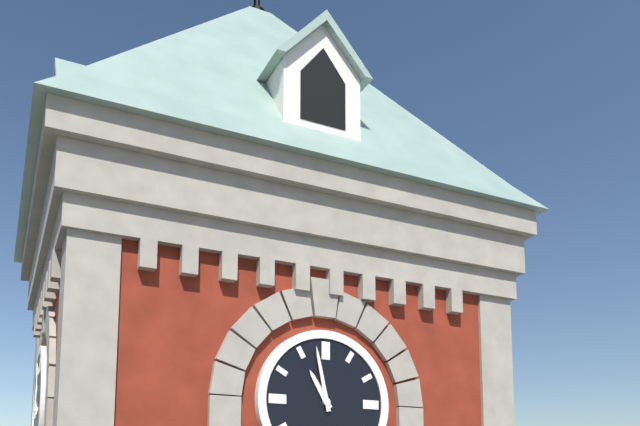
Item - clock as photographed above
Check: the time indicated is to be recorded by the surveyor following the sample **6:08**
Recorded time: **10:58**
